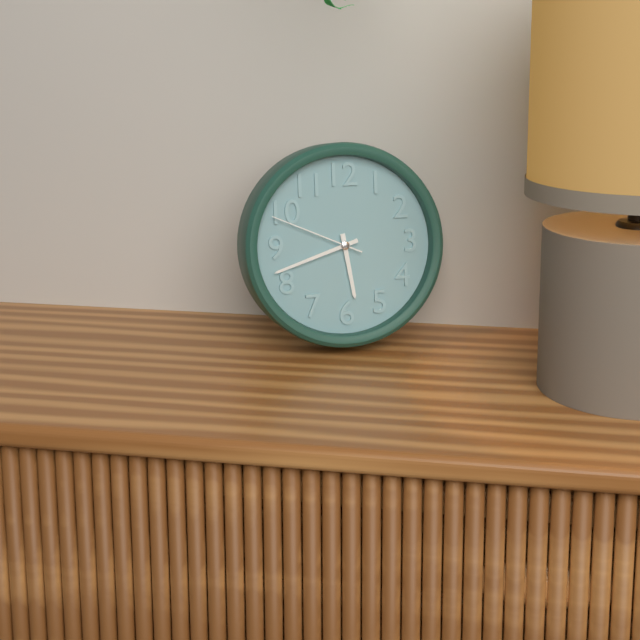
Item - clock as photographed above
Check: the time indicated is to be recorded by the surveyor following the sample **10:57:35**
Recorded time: **5:42:49**
